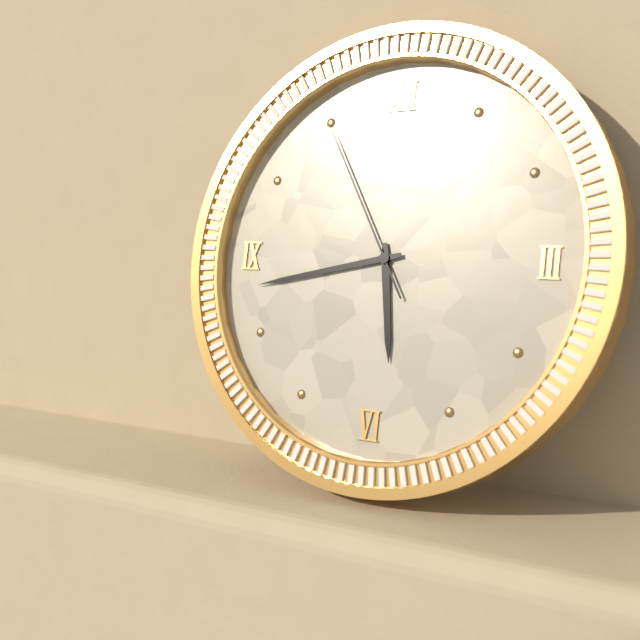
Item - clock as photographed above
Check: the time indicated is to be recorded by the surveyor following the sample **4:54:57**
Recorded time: **5:43:55**
